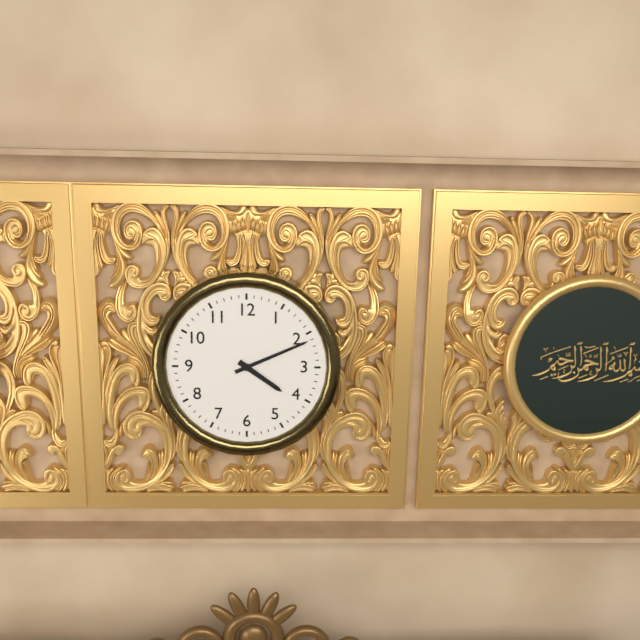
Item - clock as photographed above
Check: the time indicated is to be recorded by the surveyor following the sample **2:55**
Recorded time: **4:11**
